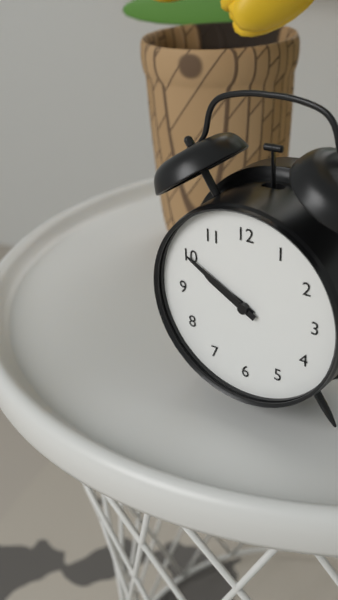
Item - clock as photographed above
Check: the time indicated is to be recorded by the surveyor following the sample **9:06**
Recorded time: **9:50**
